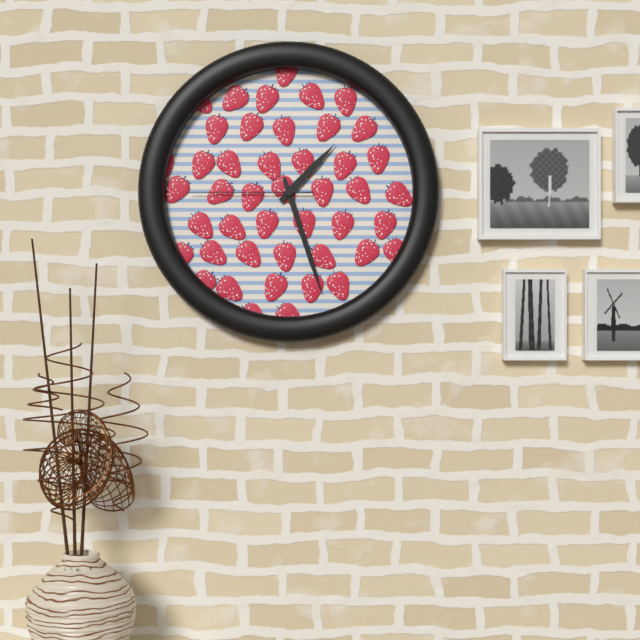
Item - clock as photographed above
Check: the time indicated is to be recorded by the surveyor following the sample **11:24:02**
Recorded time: **1:27:45**
